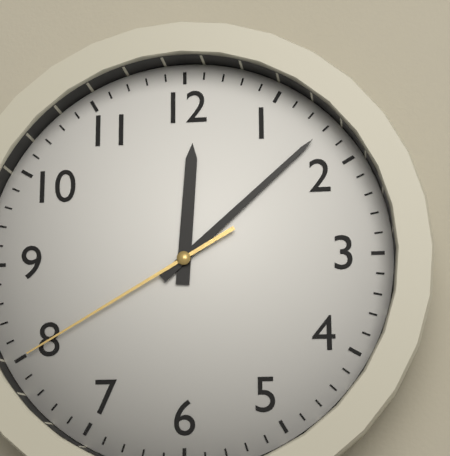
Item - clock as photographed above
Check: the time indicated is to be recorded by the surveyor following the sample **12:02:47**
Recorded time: **12:08:40**
